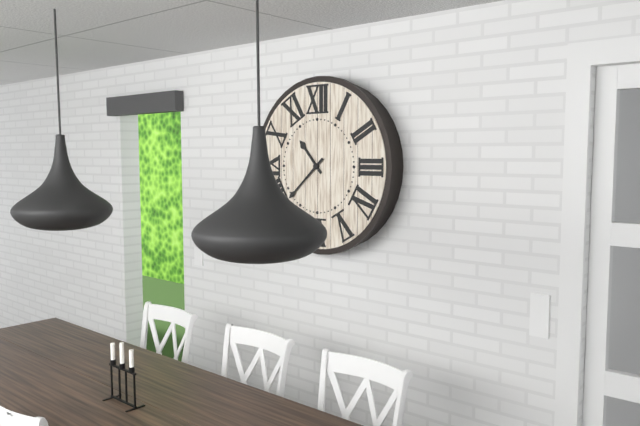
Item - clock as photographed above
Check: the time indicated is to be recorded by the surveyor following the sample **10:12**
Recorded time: **10:38**
